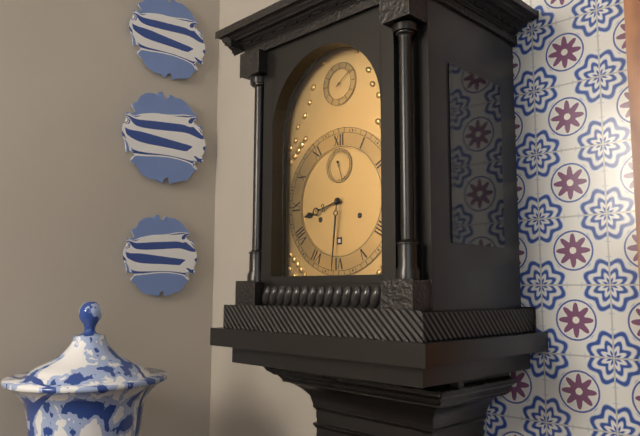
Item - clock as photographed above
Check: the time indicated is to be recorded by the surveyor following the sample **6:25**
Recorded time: **8:31**
